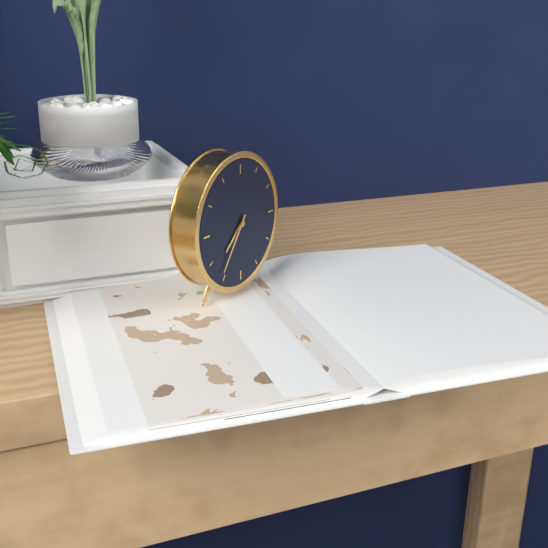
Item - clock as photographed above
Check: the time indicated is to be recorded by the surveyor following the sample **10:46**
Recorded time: **7:36**
